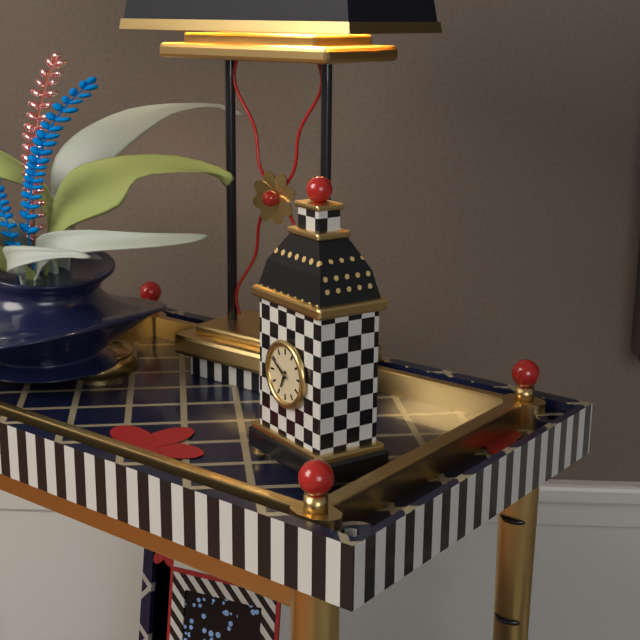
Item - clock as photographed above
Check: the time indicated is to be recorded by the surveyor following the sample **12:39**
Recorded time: **6:50**
